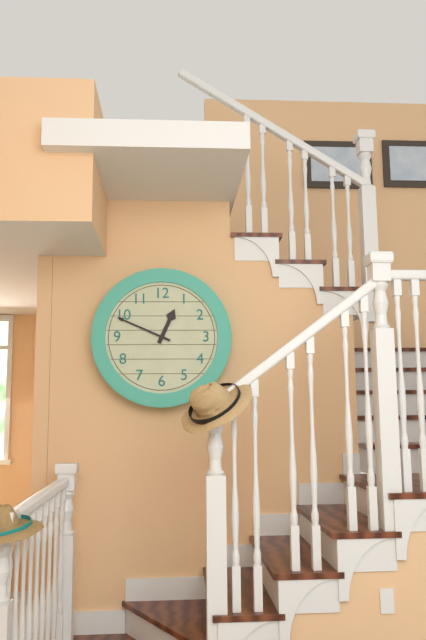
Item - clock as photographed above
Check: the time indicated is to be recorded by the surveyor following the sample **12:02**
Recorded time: **12:49**
